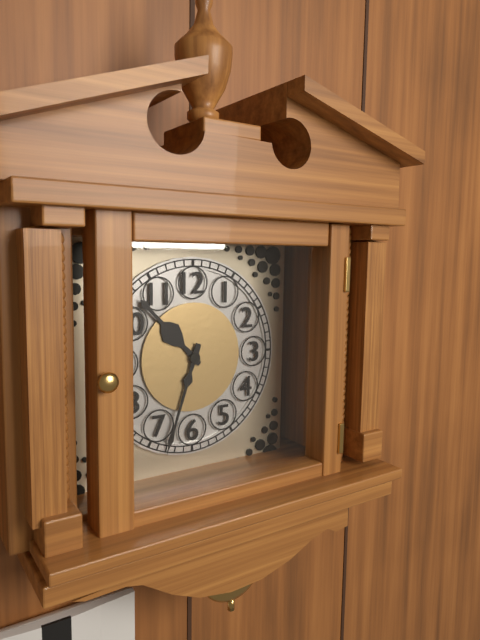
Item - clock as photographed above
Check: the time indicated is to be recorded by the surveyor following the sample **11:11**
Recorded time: **10:33**
